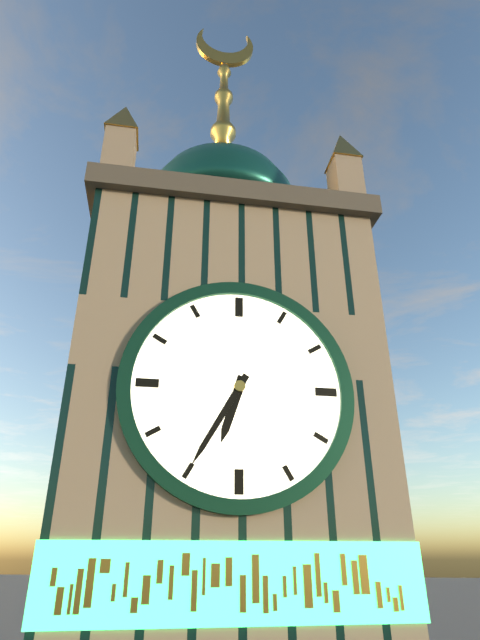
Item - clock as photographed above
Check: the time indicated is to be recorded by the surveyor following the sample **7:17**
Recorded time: **6:35**
